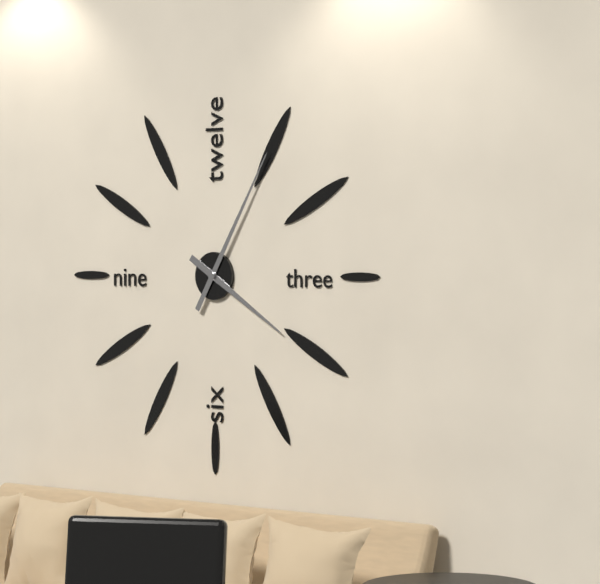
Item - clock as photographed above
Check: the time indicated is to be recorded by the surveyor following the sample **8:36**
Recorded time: **4:05**
